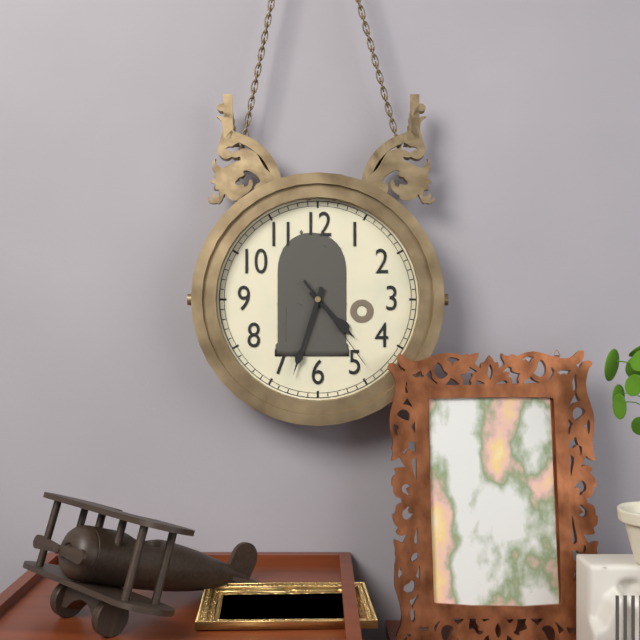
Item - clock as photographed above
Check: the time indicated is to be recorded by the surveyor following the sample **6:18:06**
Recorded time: **4:33:24**
